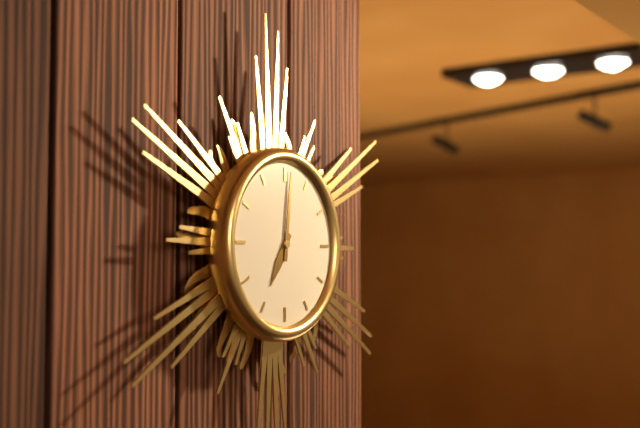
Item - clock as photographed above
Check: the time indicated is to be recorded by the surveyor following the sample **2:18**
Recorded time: **7:01**
